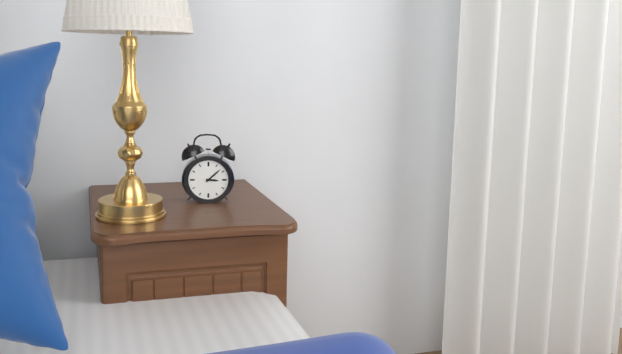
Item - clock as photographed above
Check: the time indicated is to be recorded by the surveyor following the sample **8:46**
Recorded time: **3:08**
